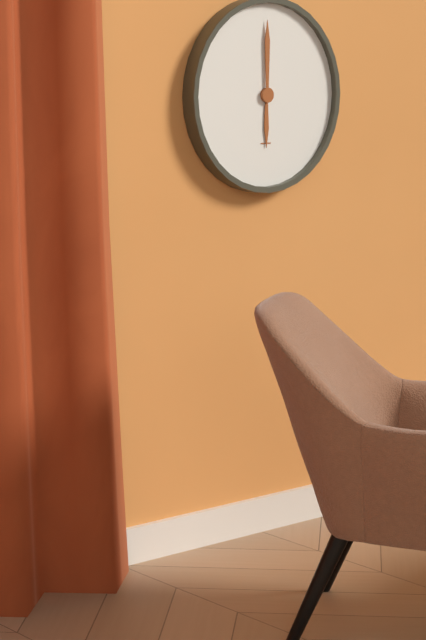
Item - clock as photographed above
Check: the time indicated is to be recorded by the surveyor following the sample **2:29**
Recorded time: **6:00**
